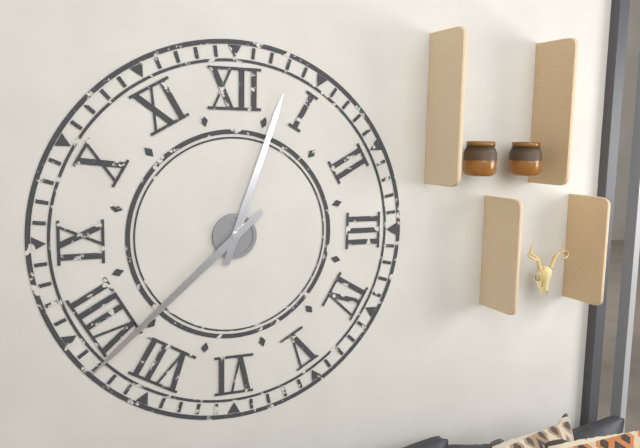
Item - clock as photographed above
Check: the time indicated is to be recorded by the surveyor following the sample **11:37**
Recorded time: **12:38**
